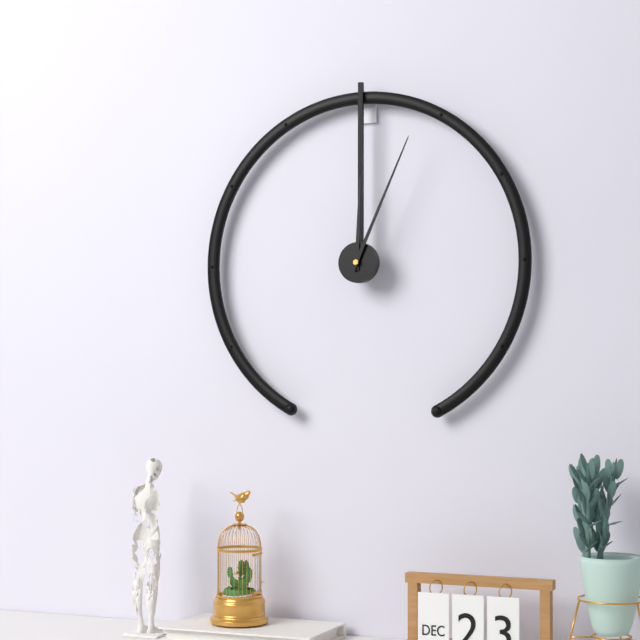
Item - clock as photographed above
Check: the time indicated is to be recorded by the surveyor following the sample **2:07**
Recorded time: **12:04**
